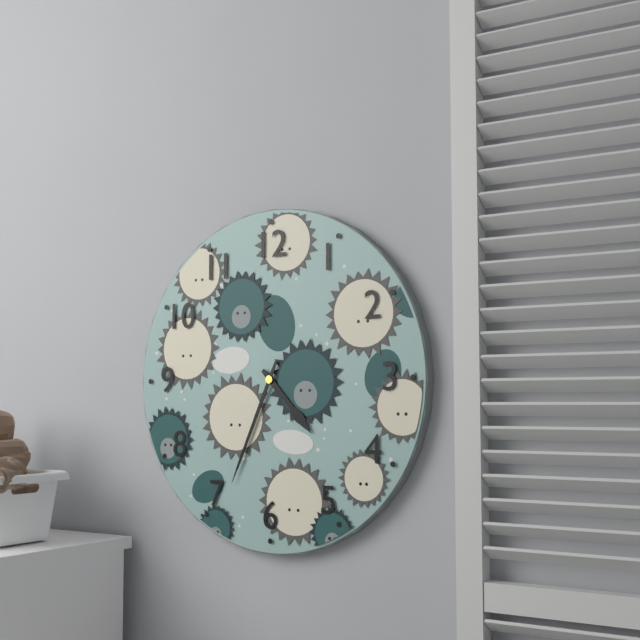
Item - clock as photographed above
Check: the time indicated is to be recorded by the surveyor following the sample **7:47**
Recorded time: **4:34**
